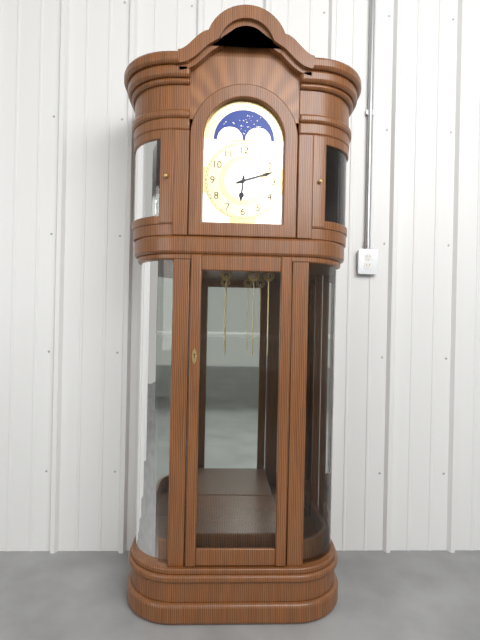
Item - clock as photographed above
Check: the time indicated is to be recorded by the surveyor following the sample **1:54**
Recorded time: **6:12**
